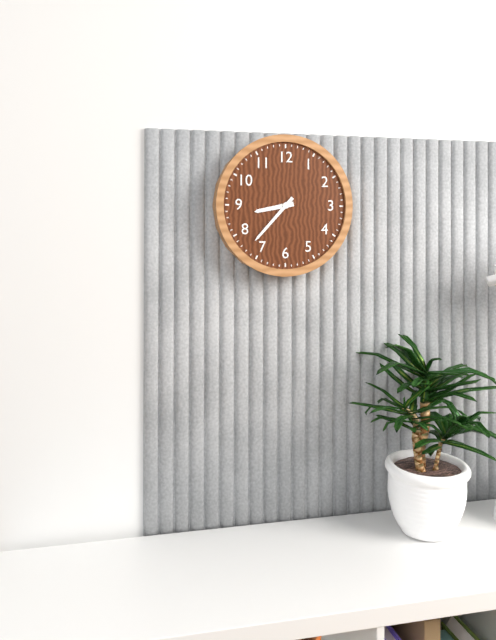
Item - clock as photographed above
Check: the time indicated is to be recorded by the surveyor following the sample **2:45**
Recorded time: **8:37**
